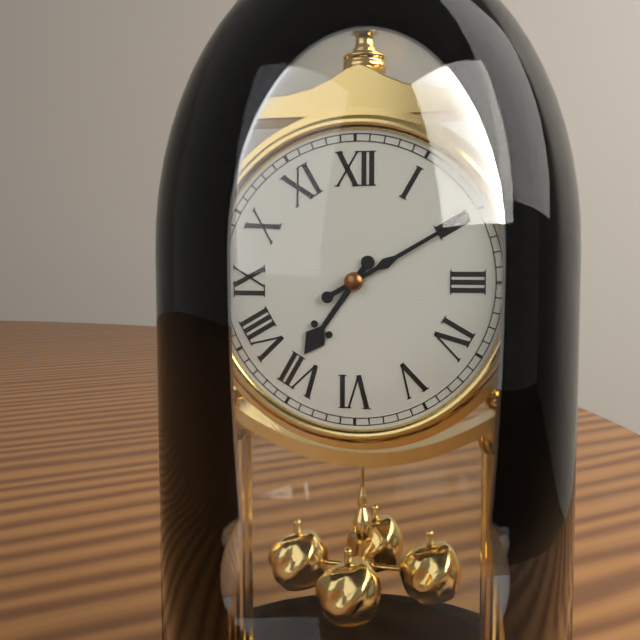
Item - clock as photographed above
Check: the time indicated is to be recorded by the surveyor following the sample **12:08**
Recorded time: **7:10**
